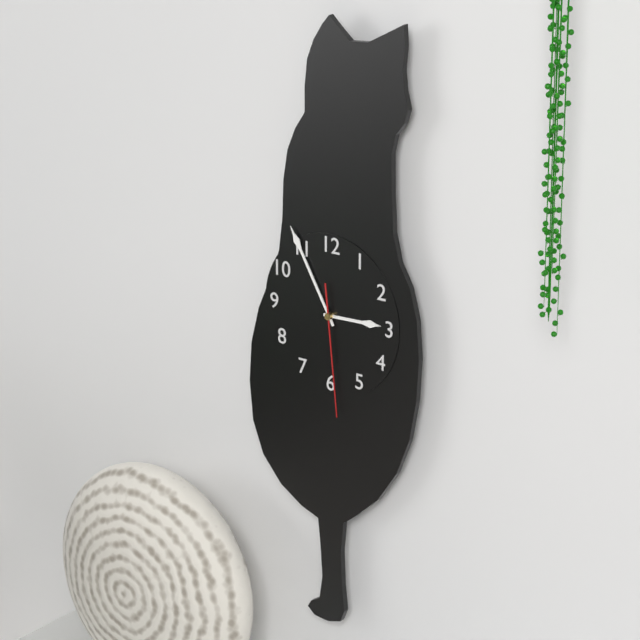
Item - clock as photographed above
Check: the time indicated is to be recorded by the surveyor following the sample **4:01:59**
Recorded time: **2:55:29**
